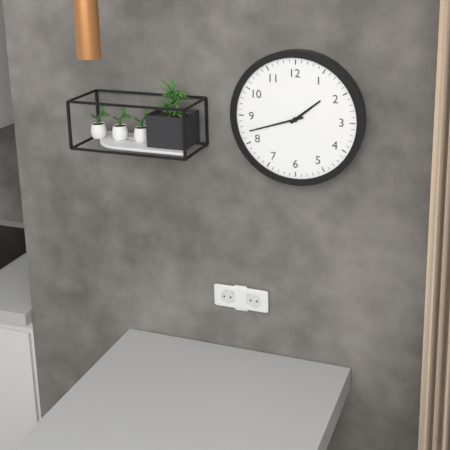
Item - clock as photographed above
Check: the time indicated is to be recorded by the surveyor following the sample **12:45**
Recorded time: **1:42**
